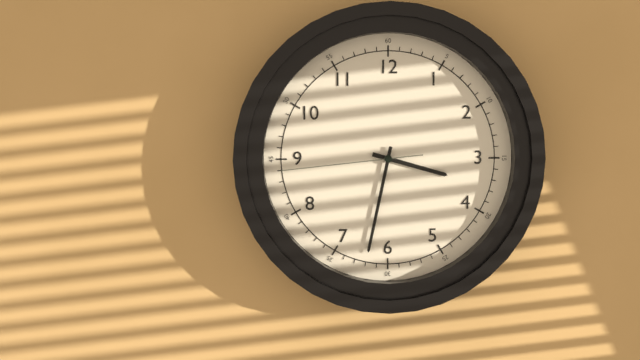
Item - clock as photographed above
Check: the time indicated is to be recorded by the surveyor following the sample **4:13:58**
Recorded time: **3:32:44**
